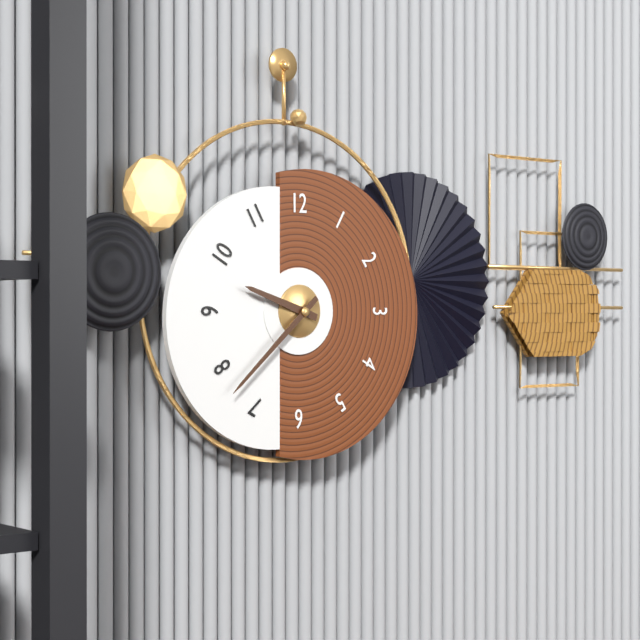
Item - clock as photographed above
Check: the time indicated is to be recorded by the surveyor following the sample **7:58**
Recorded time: **9:38**
